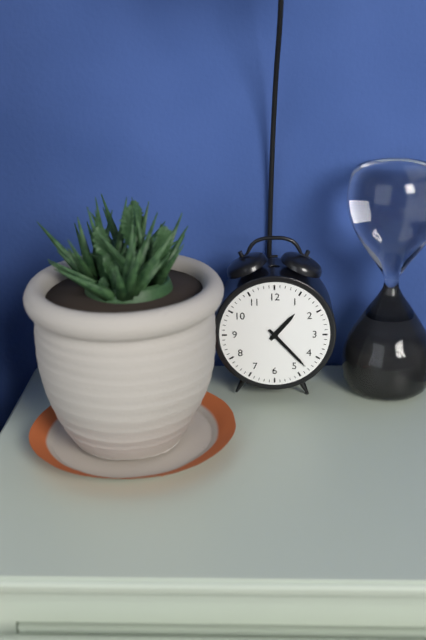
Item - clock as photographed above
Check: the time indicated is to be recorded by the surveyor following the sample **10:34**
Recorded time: **1:23**
